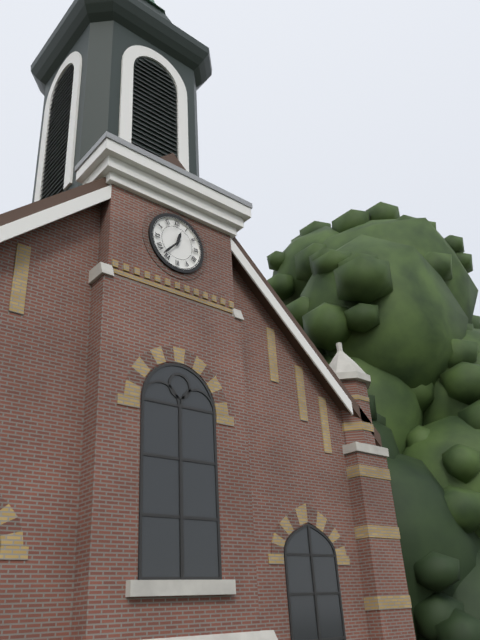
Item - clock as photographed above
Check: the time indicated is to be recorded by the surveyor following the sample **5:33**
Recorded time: **12:37**
